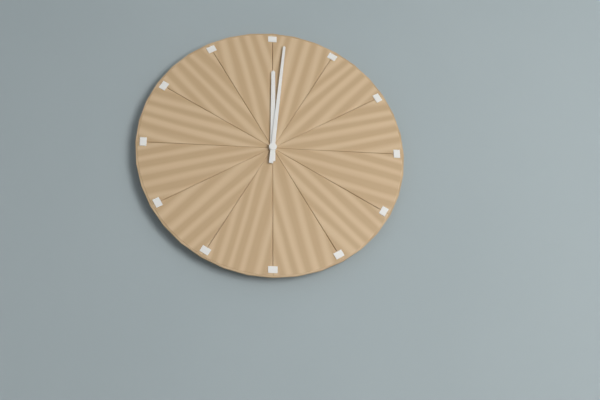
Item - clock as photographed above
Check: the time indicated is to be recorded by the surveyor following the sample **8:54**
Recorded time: **12:01**
